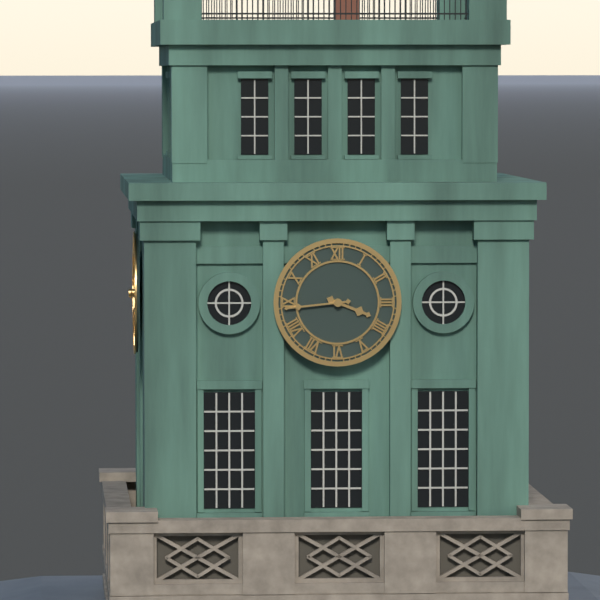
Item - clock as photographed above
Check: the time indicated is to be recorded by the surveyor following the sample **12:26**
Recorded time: **3:44**
